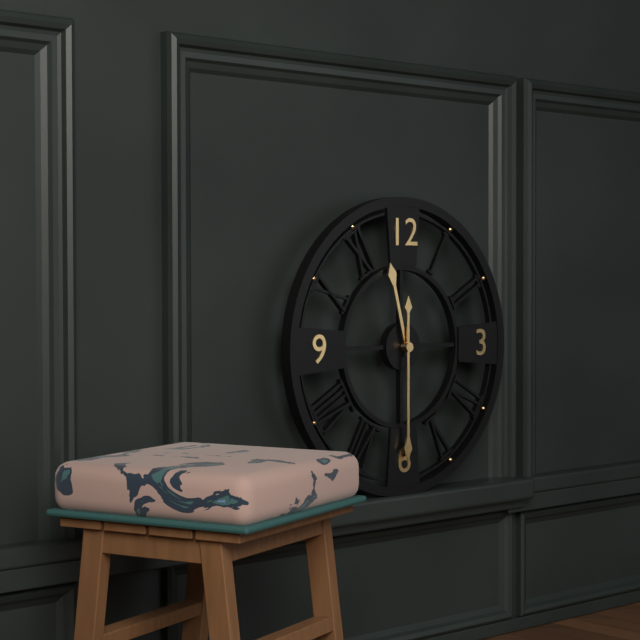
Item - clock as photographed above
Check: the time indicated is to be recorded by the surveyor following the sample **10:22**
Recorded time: **11:30**
